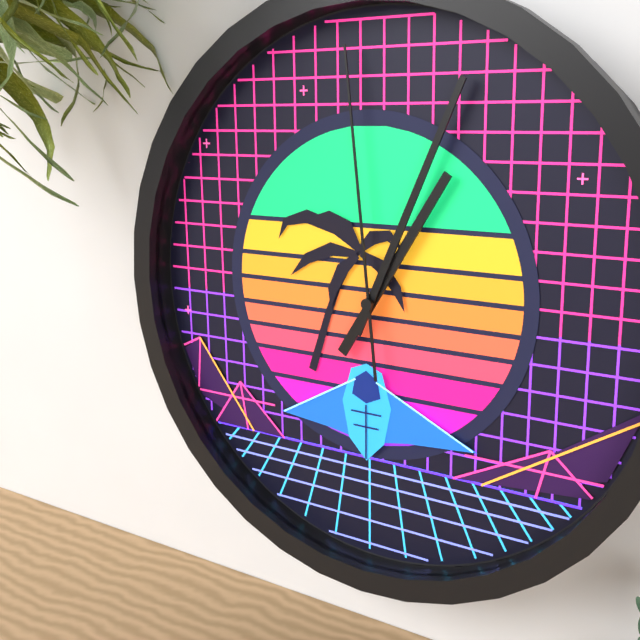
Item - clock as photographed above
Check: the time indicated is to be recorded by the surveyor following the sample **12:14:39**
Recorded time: **1:04:59**
